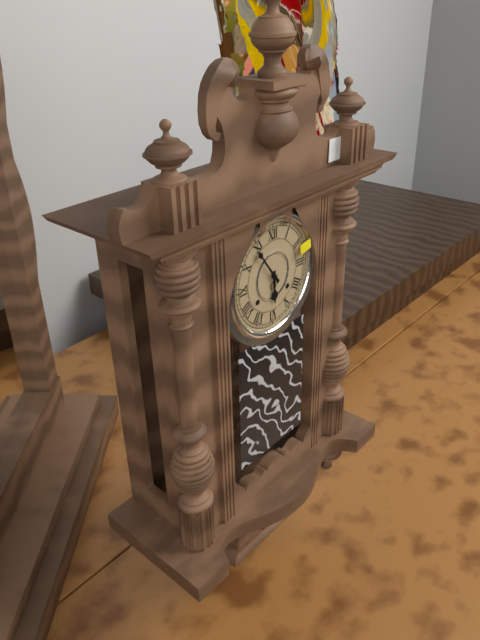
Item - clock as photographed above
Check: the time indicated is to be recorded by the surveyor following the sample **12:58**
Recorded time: **5:54**
